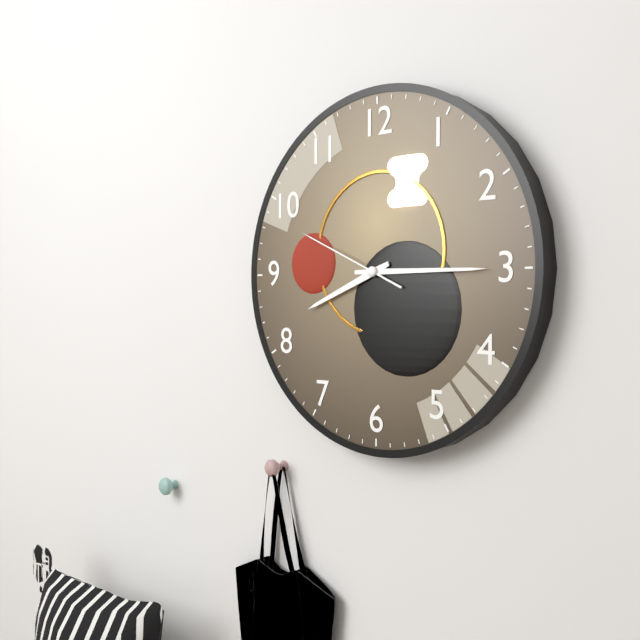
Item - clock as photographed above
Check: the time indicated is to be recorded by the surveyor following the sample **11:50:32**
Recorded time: **8:15:49**
